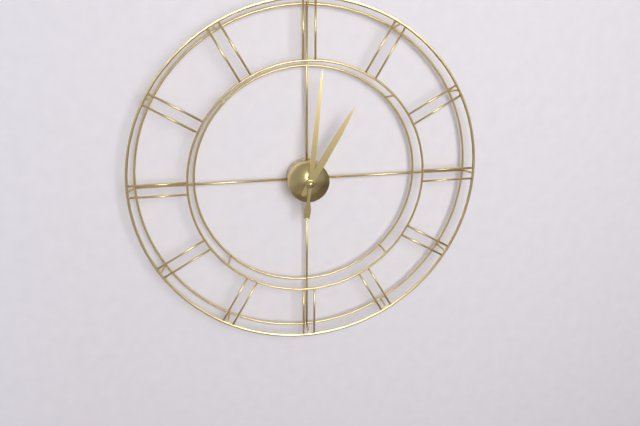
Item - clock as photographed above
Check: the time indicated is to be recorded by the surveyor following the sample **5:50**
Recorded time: **1:01**
